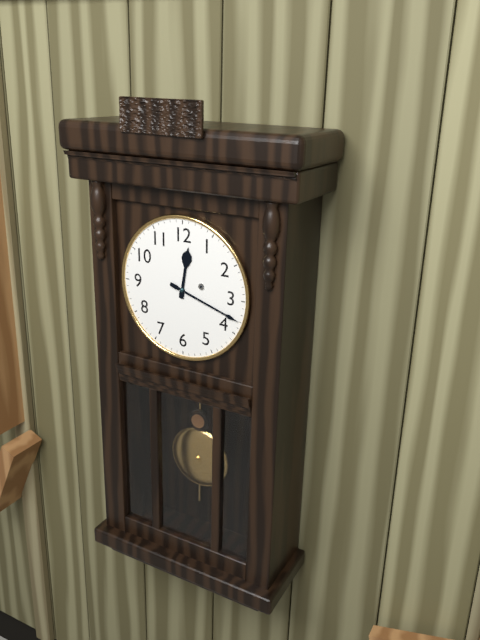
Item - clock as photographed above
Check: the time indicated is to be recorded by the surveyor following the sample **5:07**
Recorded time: **12:18**
